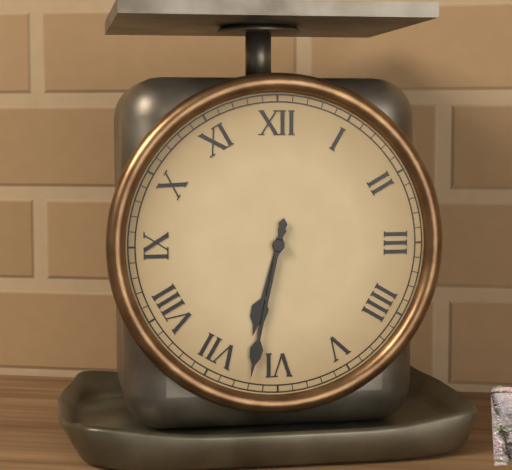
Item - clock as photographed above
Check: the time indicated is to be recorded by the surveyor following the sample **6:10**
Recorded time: **6:32**
